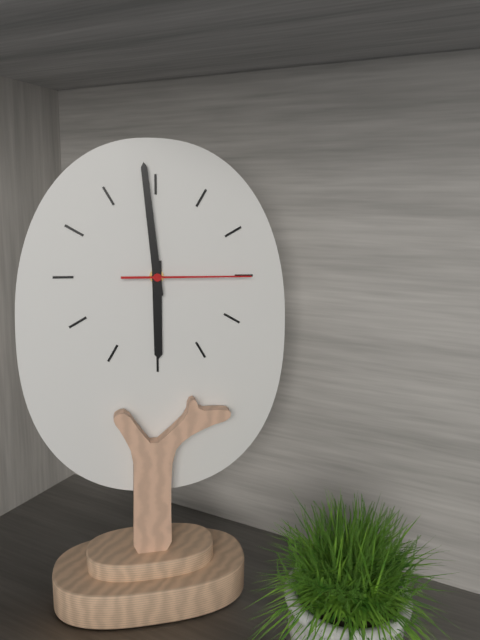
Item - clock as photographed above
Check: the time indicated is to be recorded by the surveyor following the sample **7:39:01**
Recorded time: **5:59:15**
